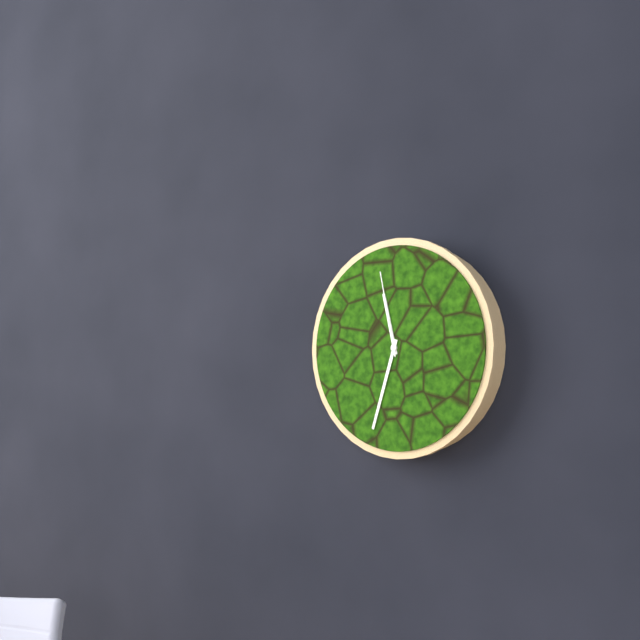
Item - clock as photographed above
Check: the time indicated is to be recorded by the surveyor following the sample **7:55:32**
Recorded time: **11:33:58**
